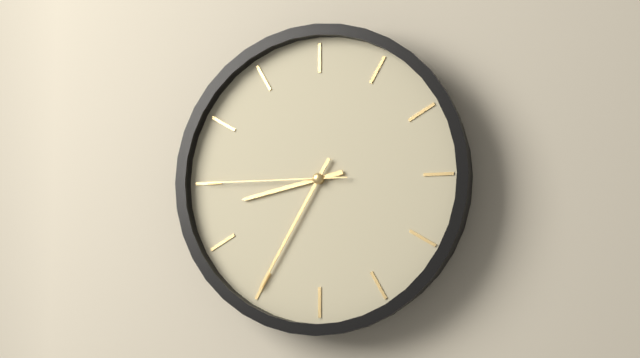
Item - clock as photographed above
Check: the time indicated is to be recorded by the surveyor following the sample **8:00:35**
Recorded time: **8:35:45**
